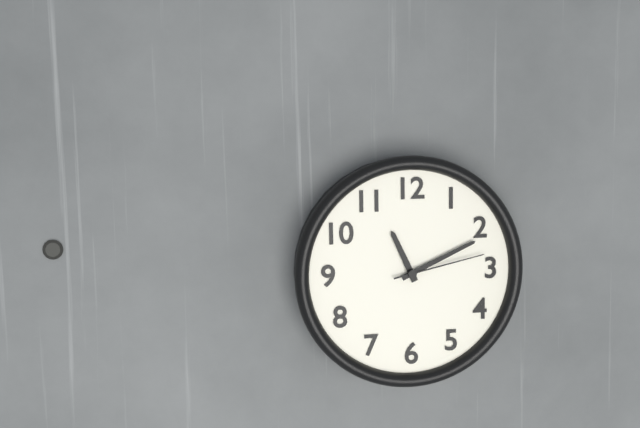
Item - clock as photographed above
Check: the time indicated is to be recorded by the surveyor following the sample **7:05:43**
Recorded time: **11:11:13**
